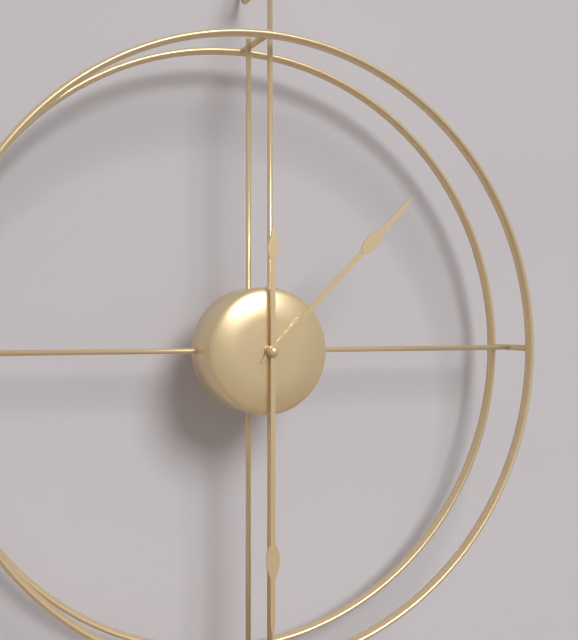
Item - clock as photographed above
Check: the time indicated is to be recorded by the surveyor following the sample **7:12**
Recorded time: **1:30**
